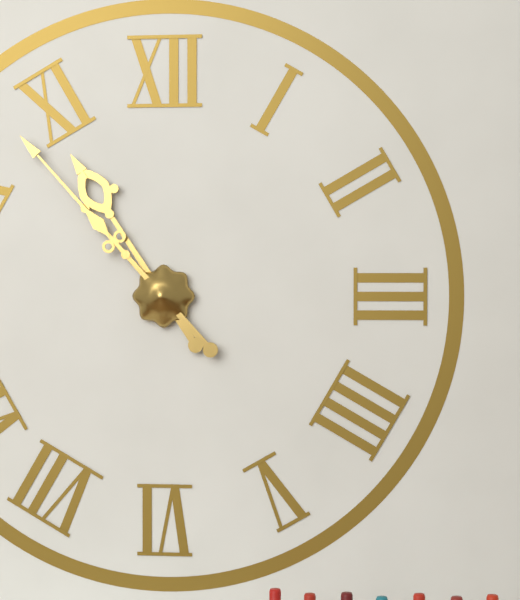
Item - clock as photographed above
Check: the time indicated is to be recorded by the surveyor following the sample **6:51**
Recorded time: **10:53**
